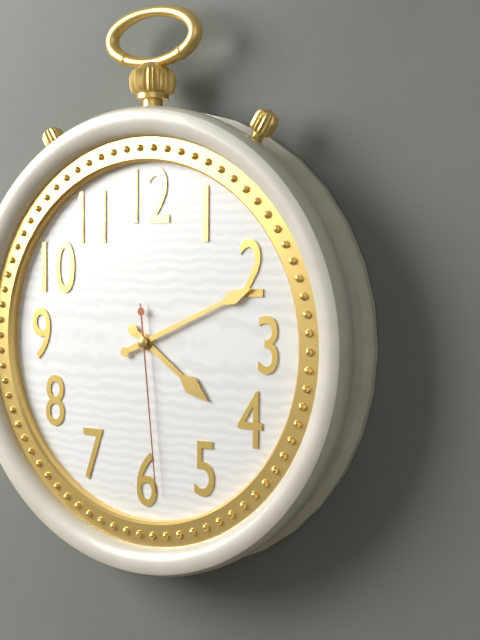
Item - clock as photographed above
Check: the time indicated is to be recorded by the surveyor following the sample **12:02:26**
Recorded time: **4:11:29**
